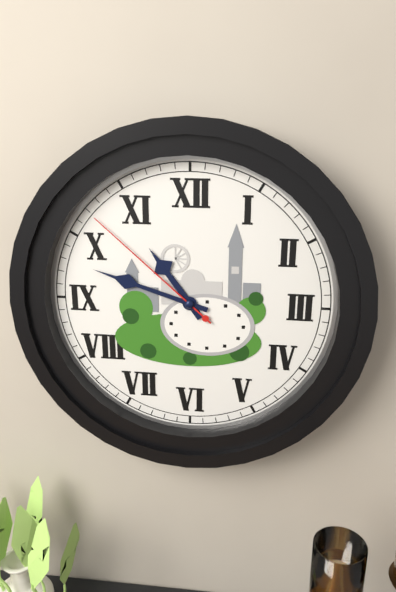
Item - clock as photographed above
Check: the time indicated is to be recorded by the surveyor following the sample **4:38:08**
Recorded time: **10:48:52**
